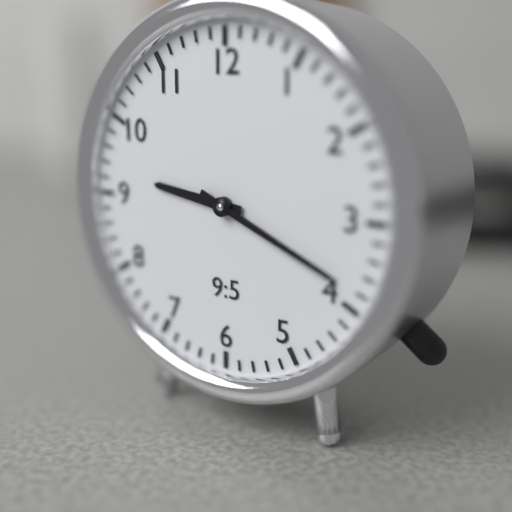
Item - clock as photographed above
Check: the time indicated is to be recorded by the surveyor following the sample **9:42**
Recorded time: **9:19**
